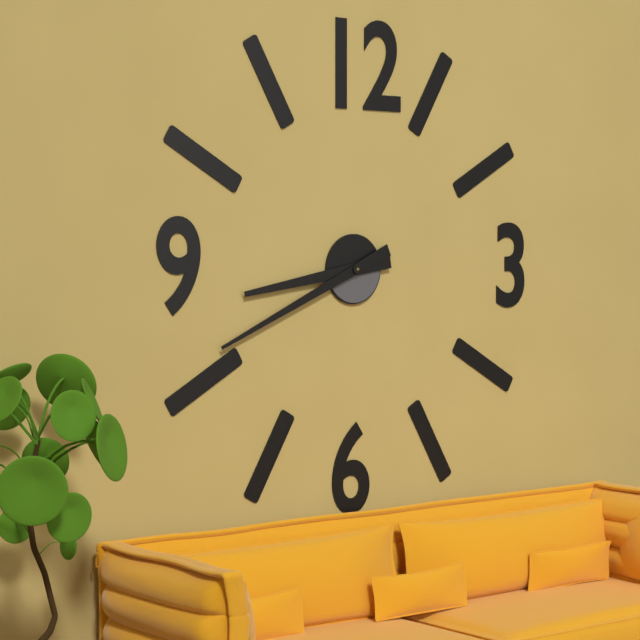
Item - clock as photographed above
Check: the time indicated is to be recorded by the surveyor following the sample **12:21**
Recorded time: **8:41**
